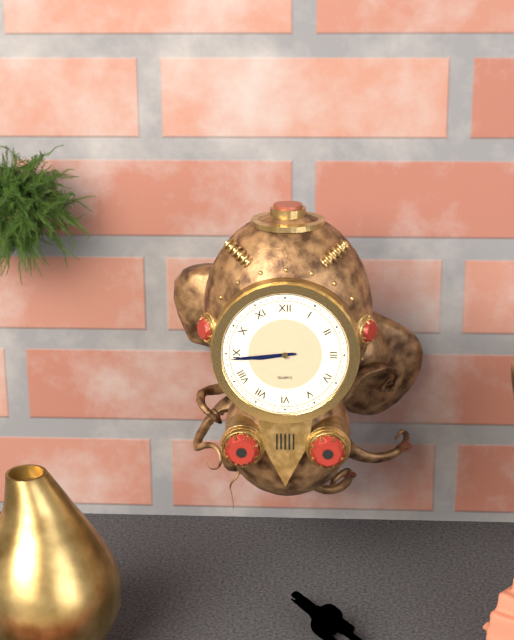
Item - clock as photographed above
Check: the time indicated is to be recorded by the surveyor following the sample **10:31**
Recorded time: **8:44**
